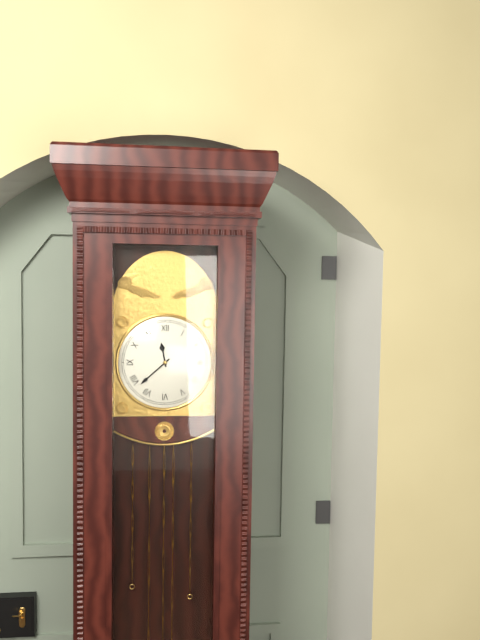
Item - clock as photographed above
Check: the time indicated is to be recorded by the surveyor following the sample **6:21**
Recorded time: **11:38**
